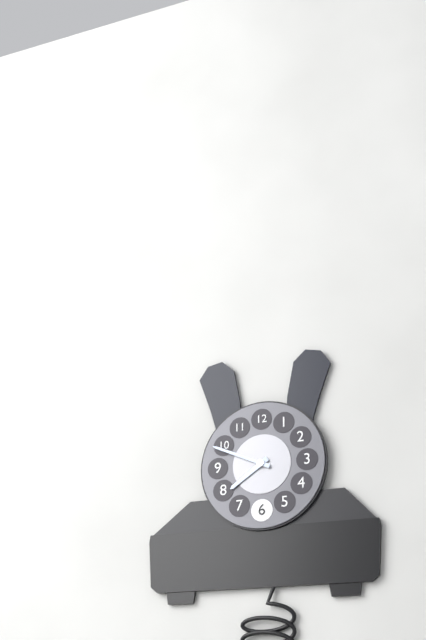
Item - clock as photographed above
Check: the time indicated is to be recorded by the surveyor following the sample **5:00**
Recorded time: **7:49**
